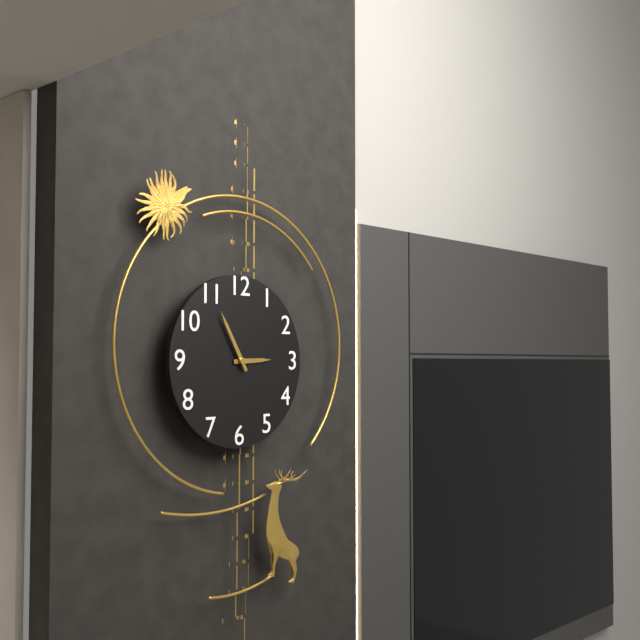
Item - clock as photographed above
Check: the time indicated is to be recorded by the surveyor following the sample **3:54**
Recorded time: **2:55**
